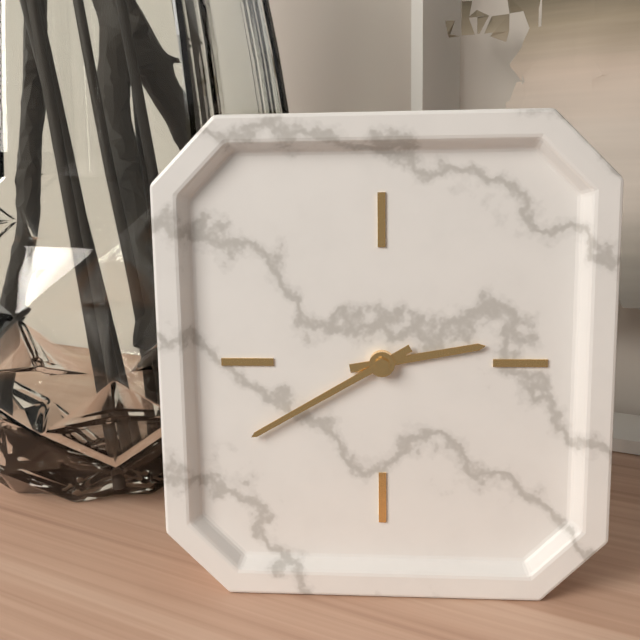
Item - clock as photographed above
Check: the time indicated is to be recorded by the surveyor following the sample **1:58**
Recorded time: **2:40**
